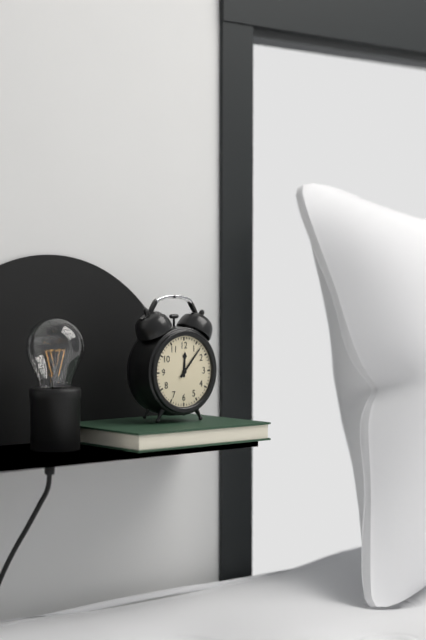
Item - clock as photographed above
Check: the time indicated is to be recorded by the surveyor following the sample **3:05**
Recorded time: **12:07**
